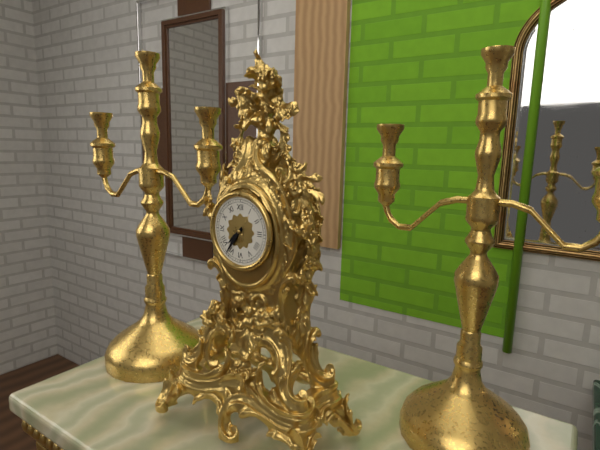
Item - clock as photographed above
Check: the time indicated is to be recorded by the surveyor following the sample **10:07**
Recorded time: **7:36**
